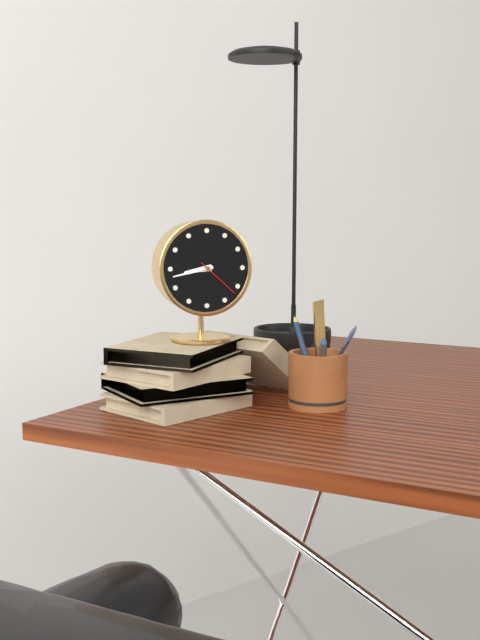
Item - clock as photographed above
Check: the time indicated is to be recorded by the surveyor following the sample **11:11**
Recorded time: **8:43**
